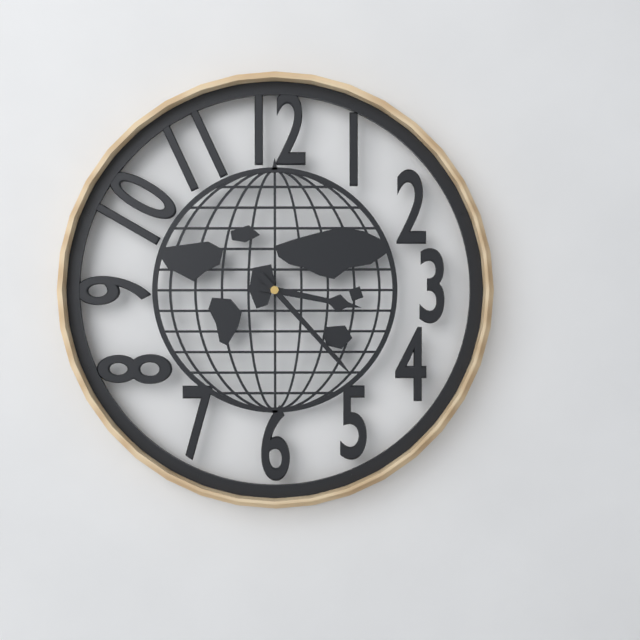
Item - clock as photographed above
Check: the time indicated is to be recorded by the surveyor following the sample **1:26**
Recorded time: **3:23**
